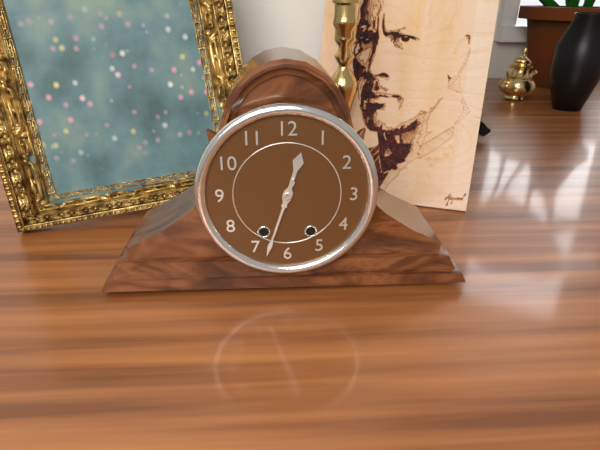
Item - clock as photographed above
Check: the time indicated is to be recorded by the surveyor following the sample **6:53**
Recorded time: **12:33**
